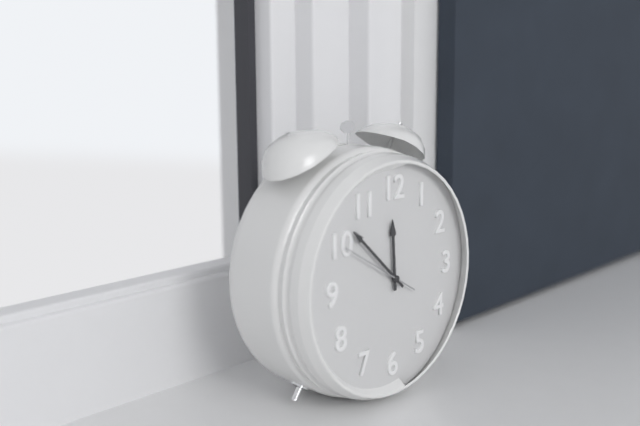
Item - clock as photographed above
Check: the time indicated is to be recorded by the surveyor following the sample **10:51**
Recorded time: **11:52**
